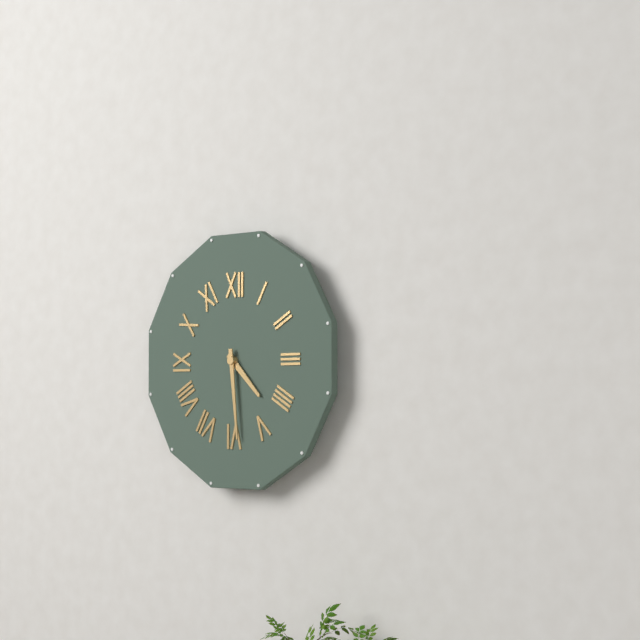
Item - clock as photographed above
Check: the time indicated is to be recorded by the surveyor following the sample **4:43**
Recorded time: **4:29**
